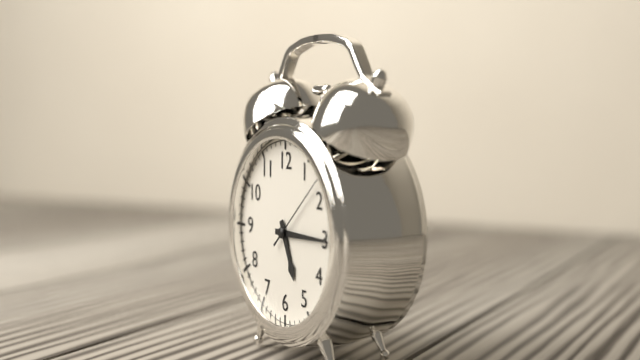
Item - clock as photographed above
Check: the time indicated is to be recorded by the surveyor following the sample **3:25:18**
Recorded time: **5:15:08**
